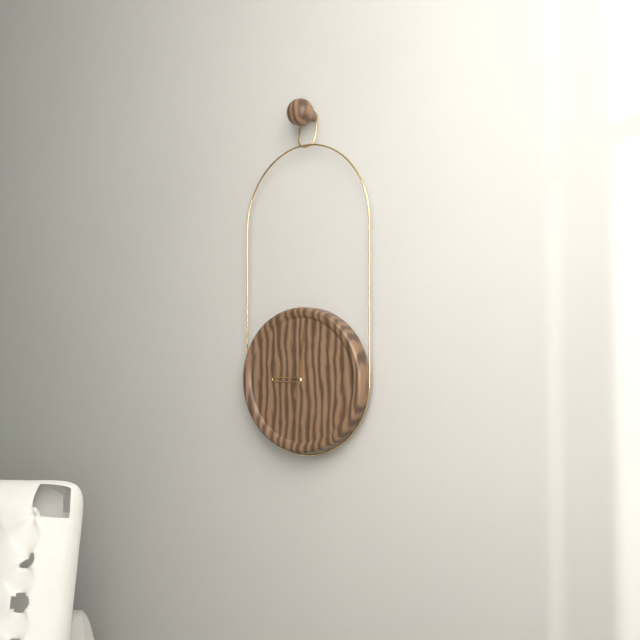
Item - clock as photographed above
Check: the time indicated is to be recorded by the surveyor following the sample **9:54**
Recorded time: **9:01**
